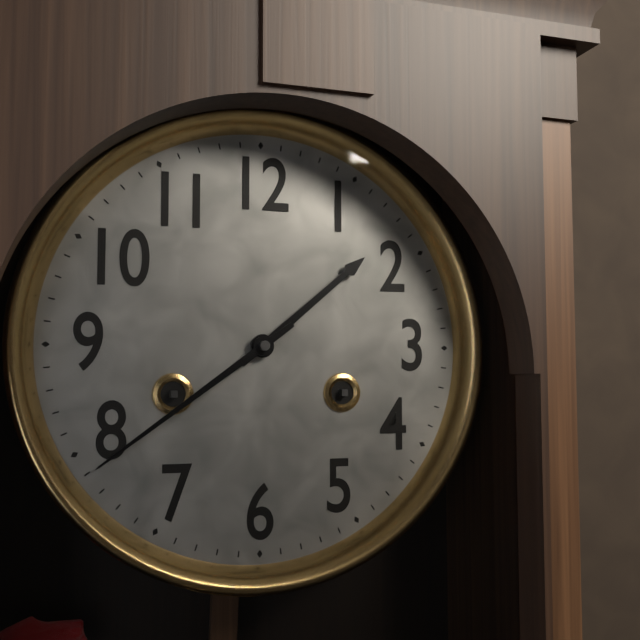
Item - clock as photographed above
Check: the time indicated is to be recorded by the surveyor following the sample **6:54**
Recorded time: **1:39**
